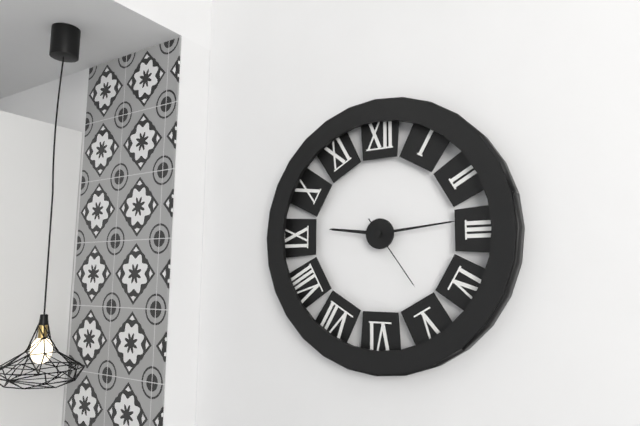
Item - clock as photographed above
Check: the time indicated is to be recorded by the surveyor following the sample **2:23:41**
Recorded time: **9:14:24**
